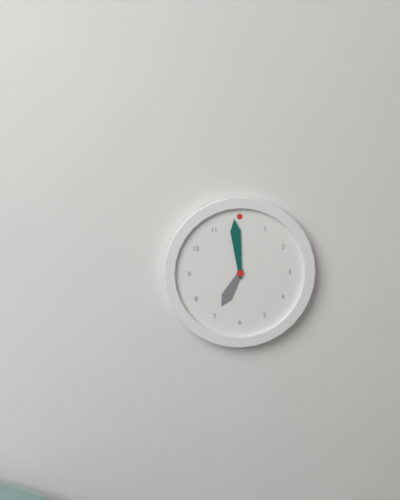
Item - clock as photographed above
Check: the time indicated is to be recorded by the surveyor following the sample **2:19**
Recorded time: **6:59**
